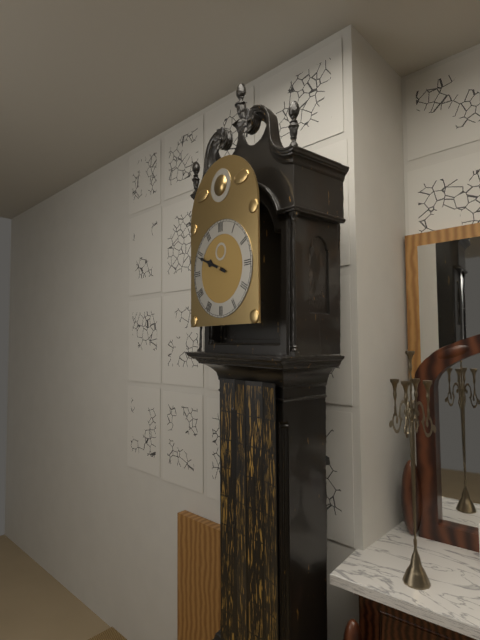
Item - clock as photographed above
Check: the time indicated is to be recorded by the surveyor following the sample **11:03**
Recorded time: **9:49**
